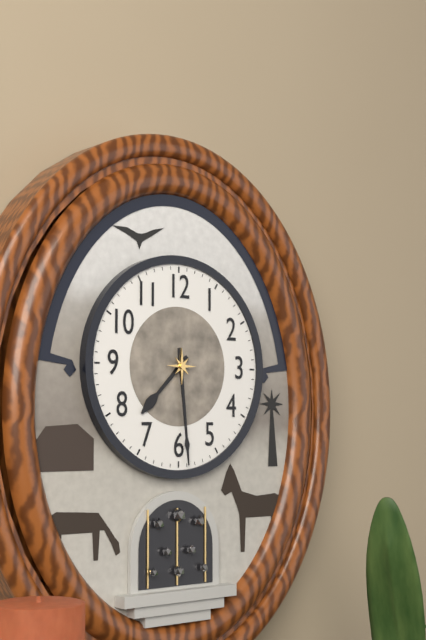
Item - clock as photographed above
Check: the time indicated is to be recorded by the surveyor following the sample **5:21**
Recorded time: **7:29**
